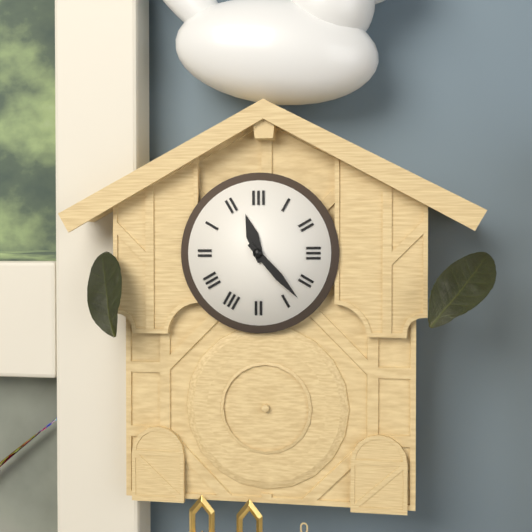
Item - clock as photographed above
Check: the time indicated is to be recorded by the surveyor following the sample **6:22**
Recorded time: **11:23**
